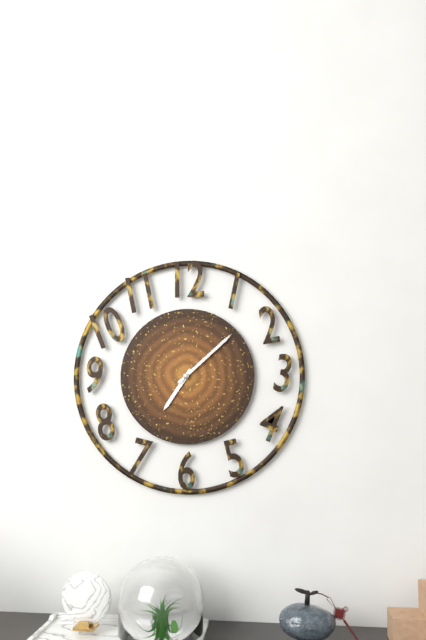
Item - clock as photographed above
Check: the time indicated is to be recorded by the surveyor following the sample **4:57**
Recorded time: **7:08**
